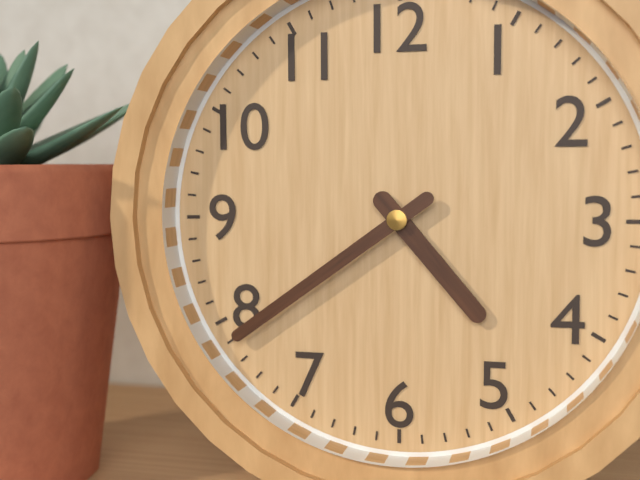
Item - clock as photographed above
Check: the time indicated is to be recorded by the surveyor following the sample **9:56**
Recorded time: **4:39**
